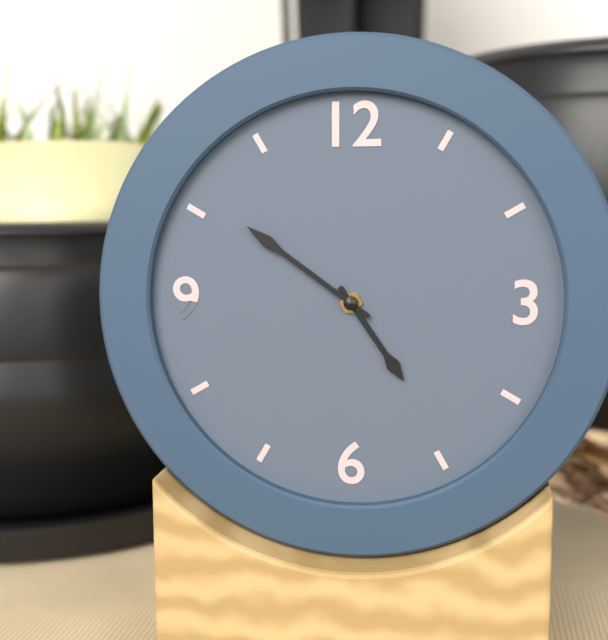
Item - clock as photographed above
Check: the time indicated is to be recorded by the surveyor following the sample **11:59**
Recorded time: **4:51**
